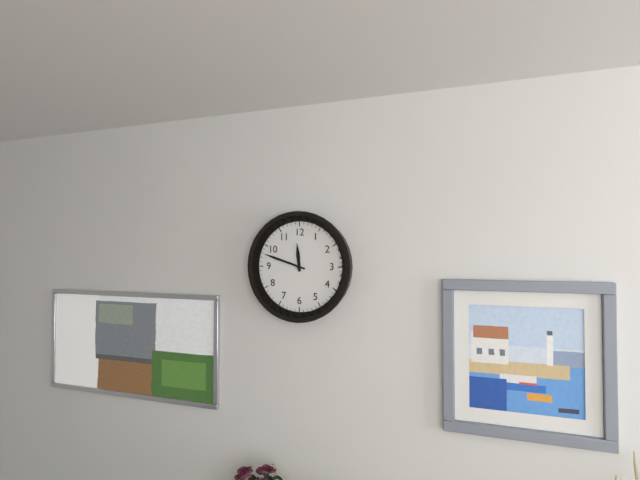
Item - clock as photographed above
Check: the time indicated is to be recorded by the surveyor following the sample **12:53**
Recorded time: **11:48**
